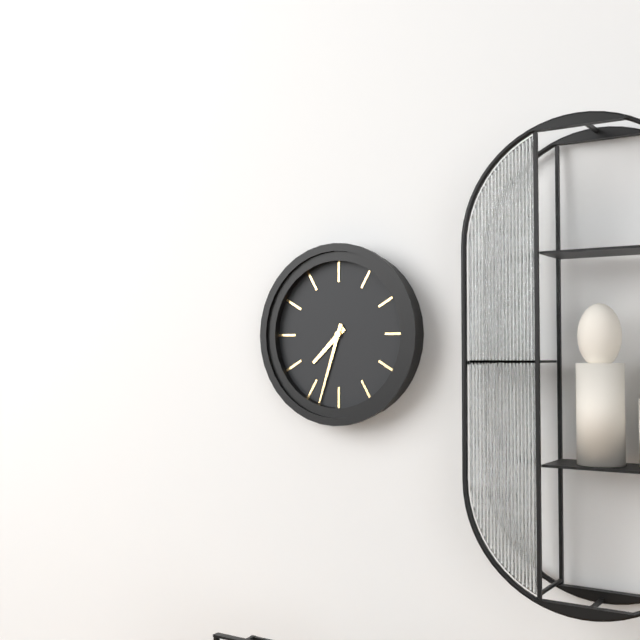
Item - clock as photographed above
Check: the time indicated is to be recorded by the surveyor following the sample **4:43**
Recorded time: **7:33**
